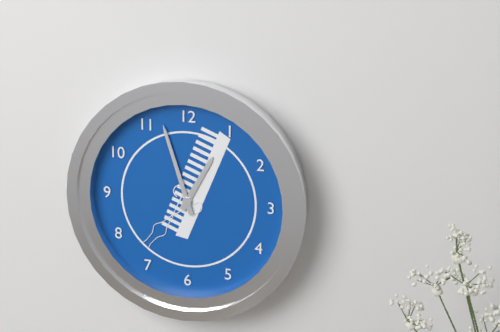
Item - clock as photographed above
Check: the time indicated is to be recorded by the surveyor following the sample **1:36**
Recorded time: **12:57**
